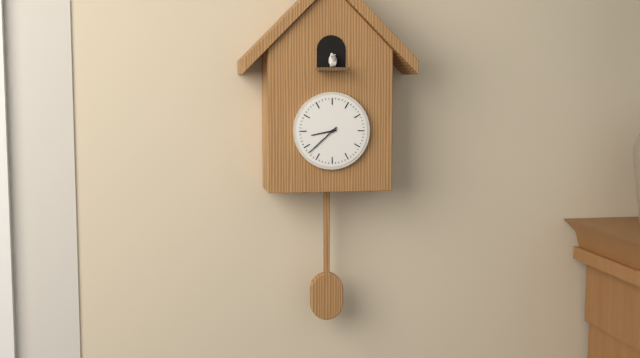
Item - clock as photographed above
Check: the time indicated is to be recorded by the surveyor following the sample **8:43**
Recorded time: **8:38**
